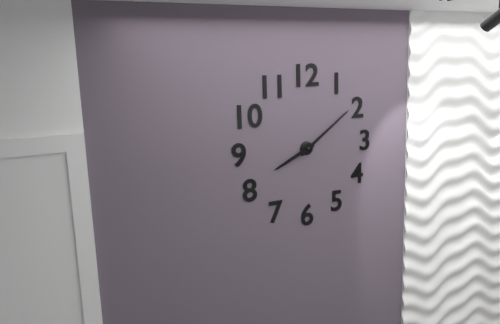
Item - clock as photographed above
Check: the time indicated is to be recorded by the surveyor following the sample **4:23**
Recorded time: **8:09**
